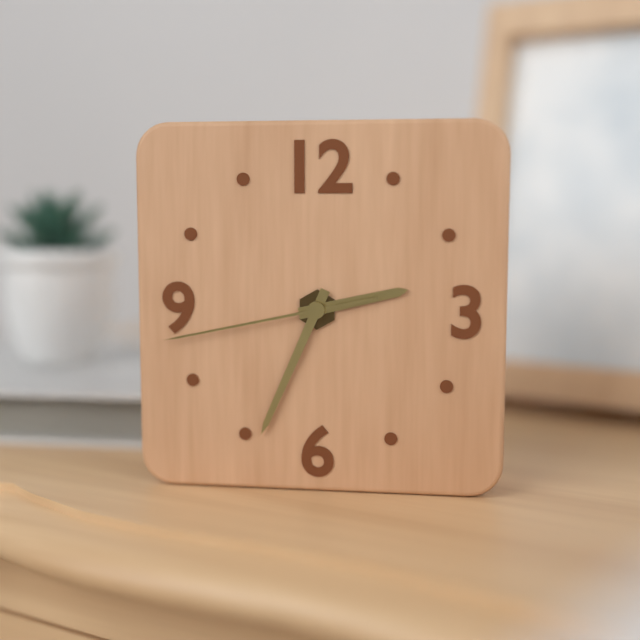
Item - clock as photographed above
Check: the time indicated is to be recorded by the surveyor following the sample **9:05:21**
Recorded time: **2:34:43**
